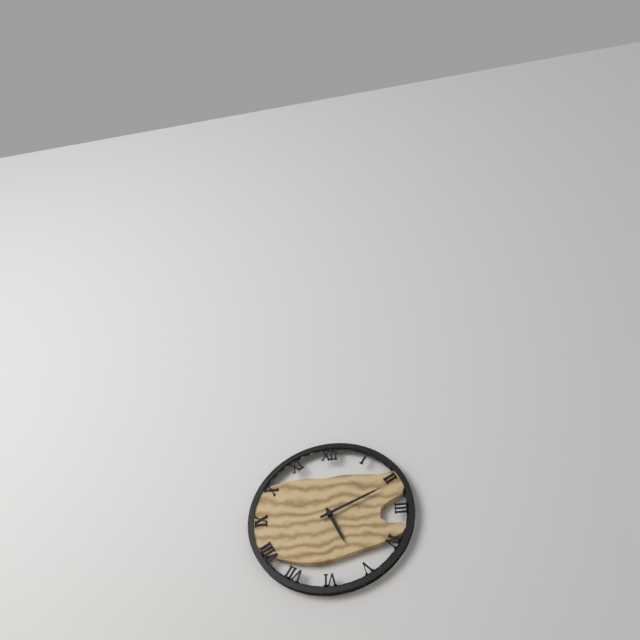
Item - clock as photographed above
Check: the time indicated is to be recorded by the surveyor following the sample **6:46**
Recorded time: **5:11**
